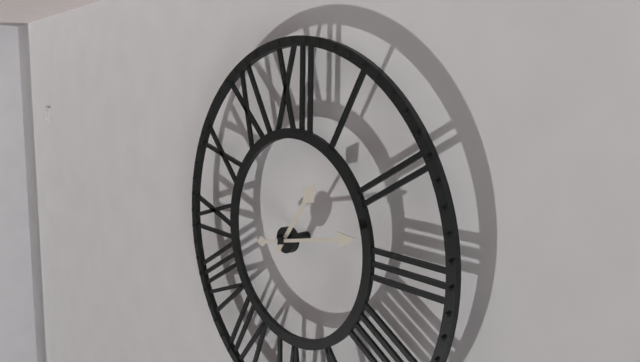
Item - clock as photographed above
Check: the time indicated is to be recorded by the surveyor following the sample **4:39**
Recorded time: **1:13**
